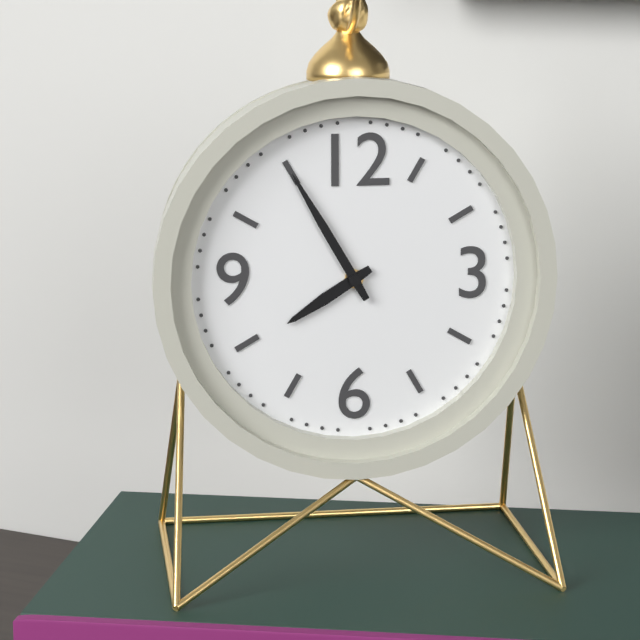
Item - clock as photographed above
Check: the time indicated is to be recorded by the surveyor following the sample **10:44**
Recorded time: **7:55**
